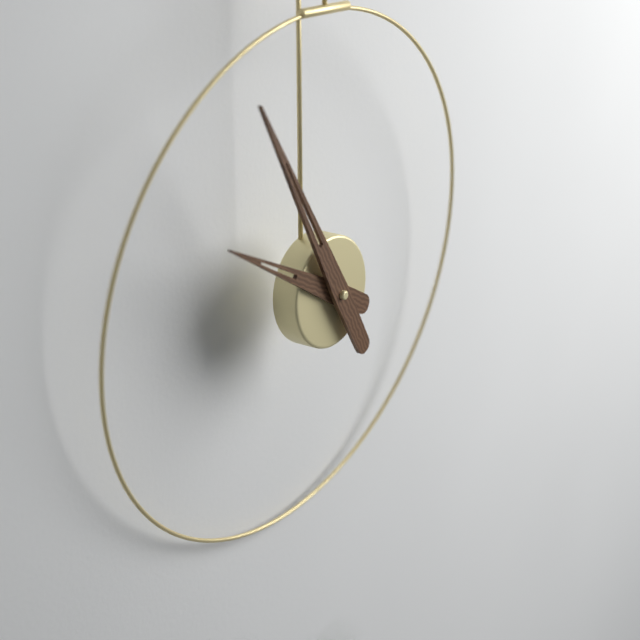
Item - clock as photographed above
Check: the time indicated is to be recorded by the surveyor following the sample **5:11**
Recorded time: **9:55**
